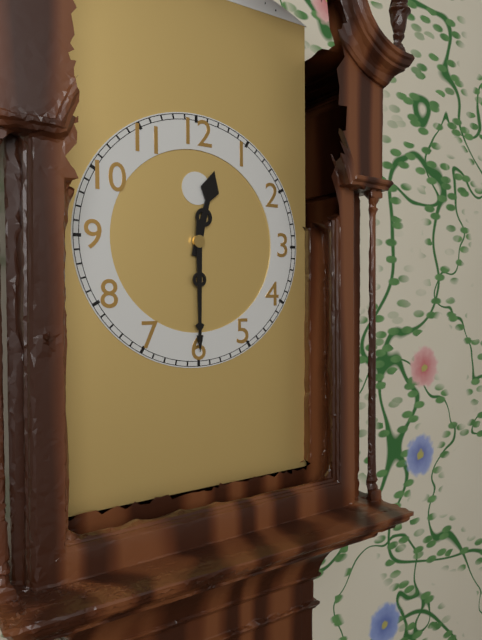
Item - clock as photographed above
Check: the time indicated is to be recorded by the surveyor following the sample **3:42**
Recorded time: **12:30**
